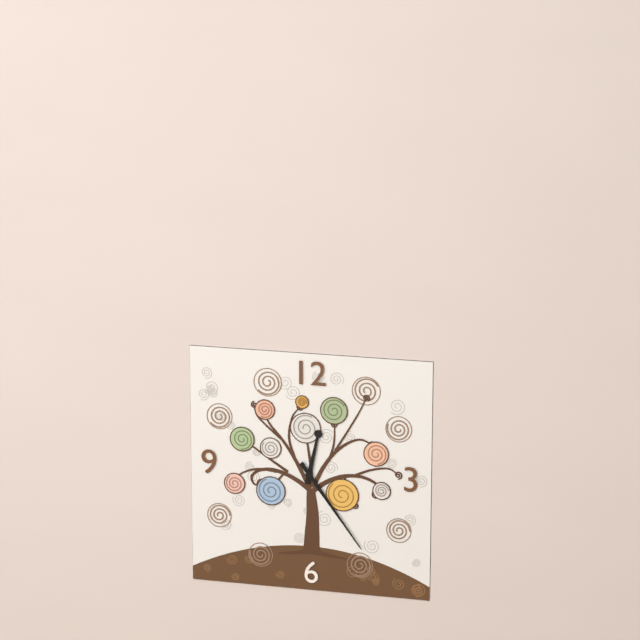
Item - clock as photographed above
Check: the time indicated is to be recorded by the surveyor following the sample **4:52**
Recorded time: **12:24**
